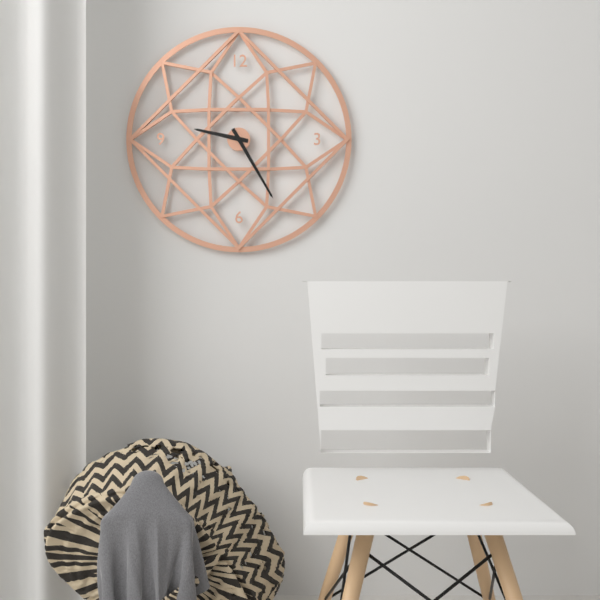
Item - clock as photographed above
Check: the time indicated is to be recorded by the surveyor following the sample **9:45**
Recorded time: **9:25**
